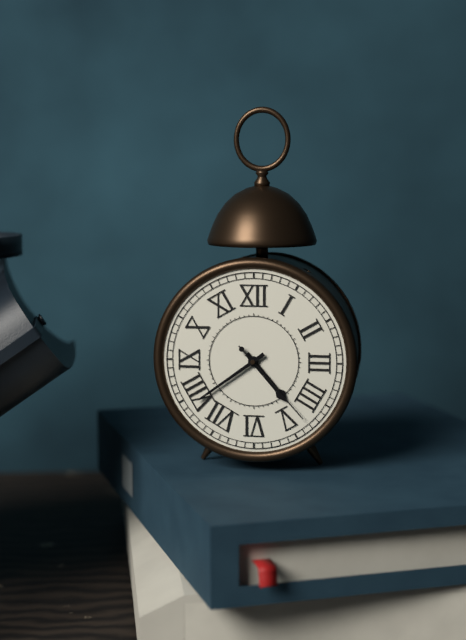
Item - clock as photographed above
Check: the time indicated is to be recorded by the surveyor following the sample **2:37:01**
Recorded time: **4:39:23**
